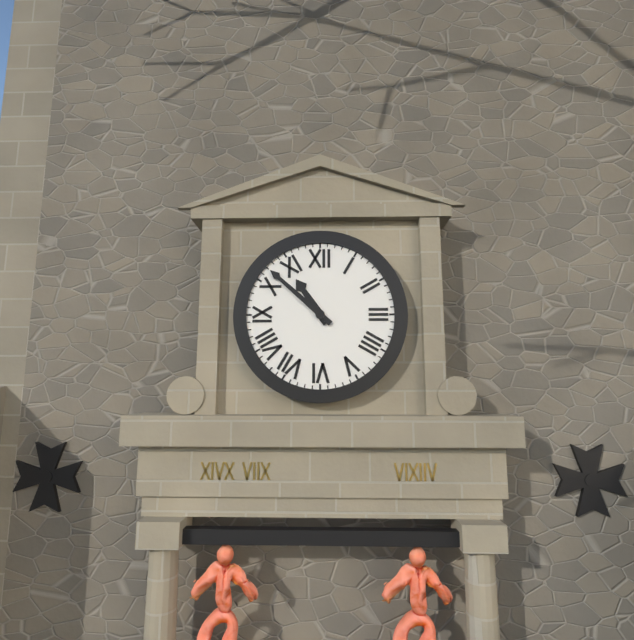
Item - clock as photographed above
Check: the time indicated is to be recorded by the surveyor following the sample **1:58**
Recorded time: **10:52**
